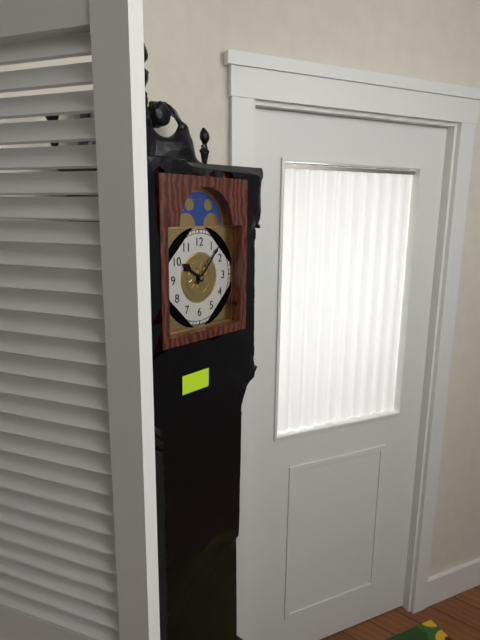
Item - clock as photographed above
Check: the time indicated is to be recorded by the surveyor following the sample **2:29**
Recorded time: **10:07**
